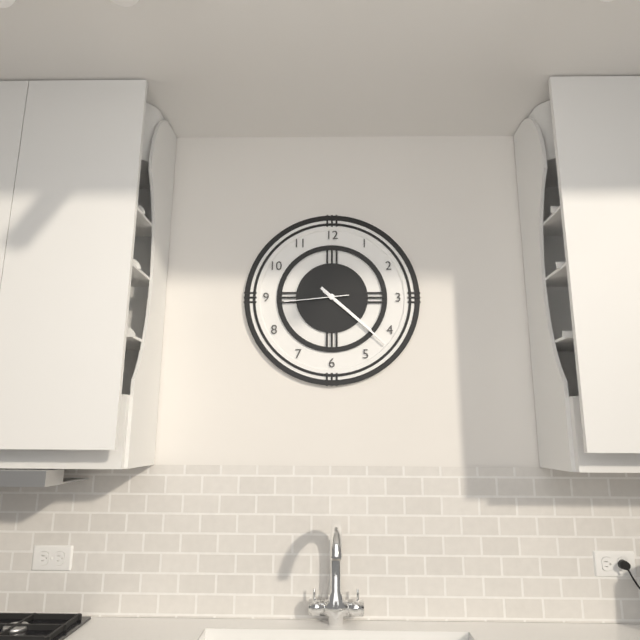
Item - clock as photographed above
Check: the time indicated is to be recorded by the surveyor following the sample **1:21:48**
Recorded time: **4:22:44**
